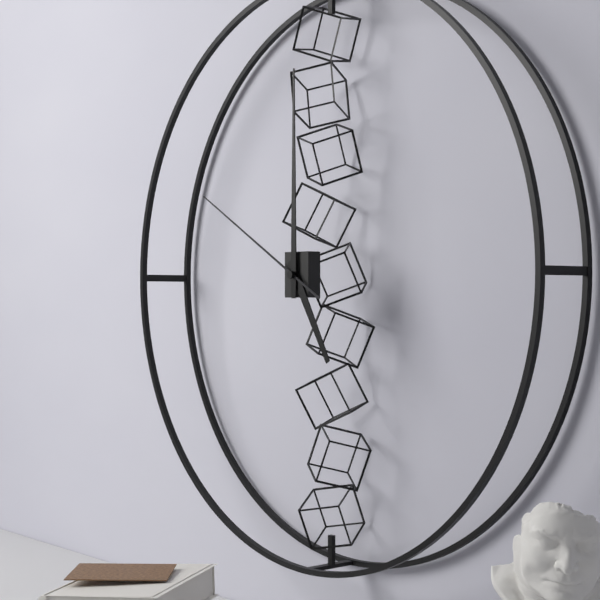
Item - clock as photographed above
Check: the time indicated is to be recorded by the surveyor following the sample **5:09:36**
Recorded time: **5:00:50**
